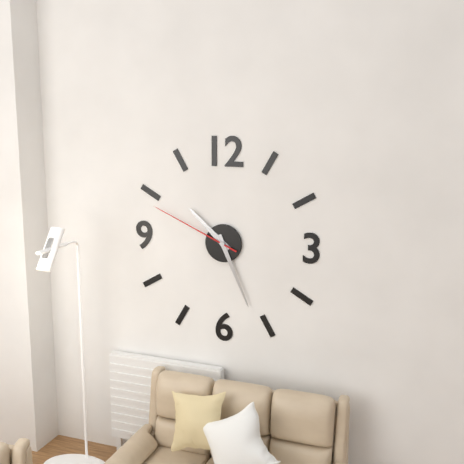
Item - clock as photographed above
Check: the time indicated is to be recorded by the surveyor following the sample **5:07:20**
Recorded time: **10:26:49**
